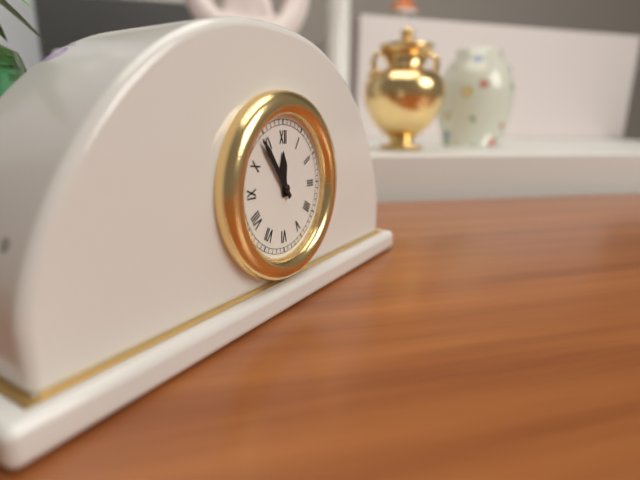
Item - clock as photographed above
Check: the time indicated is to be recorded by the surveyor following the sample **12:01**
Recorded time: **11:54**
